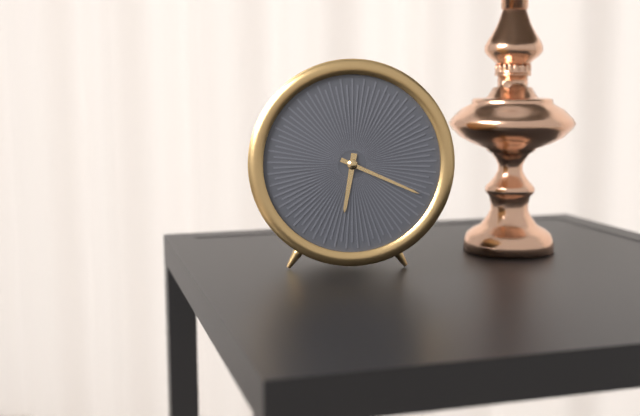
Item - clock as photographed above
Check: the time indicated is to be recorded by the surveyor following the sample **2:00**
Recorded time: **6:19**
